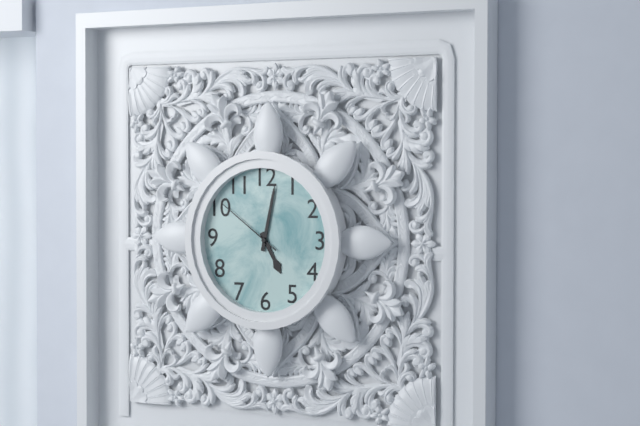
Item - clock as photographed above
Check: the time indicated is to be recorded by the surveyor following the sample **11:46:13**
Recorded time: **5:02:51**
